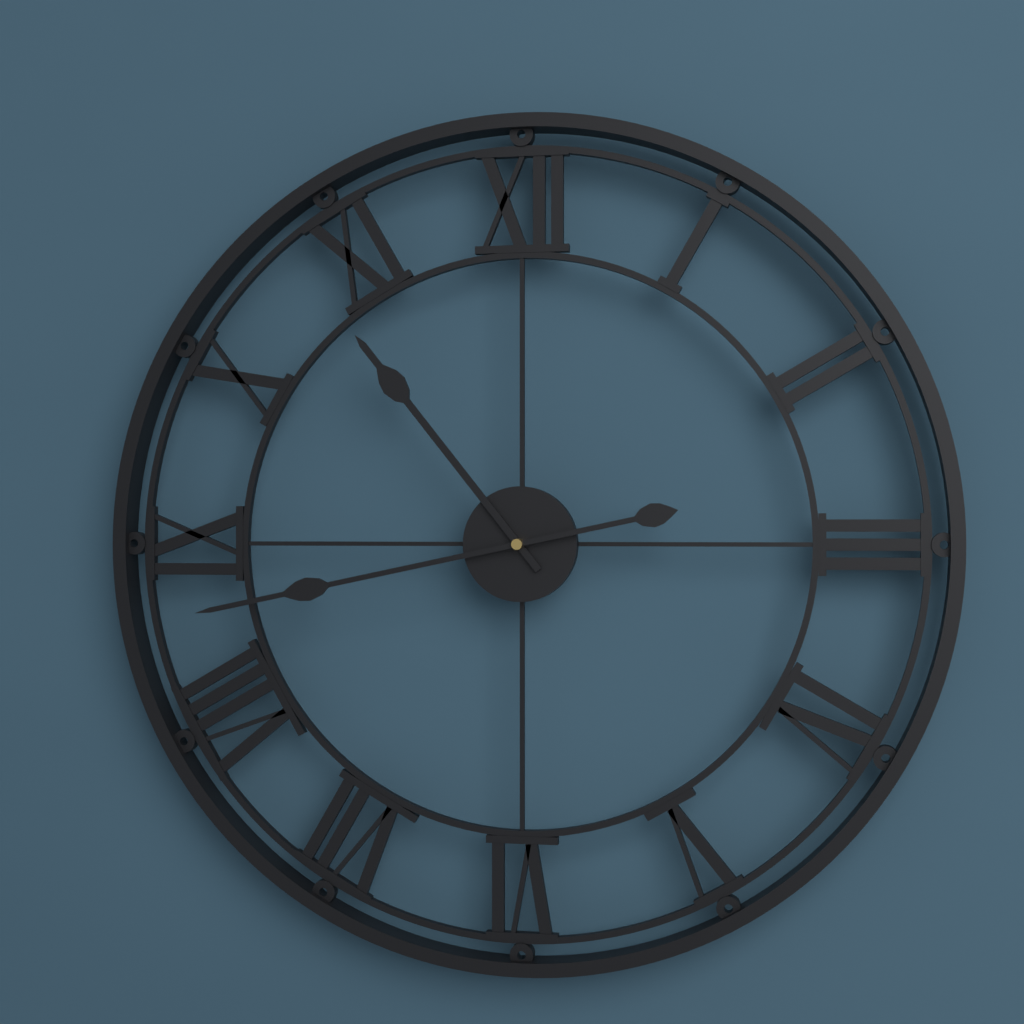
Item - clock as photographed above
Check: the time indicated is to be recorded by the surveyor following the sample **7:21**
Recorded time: **10:43**
